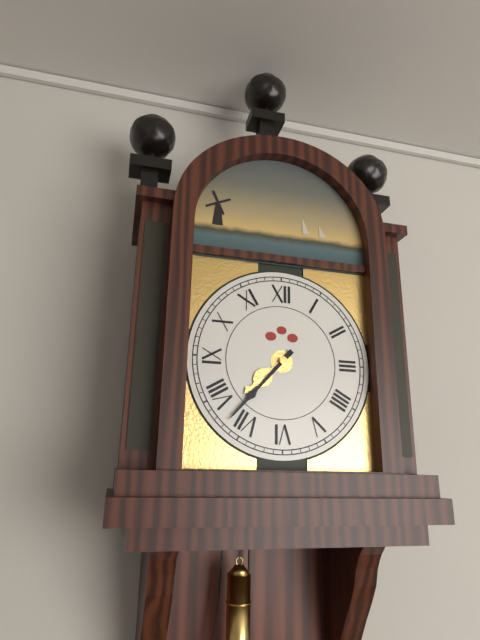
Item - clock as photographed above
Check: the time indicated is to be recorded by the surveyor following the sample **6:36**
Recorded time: **7:37**
